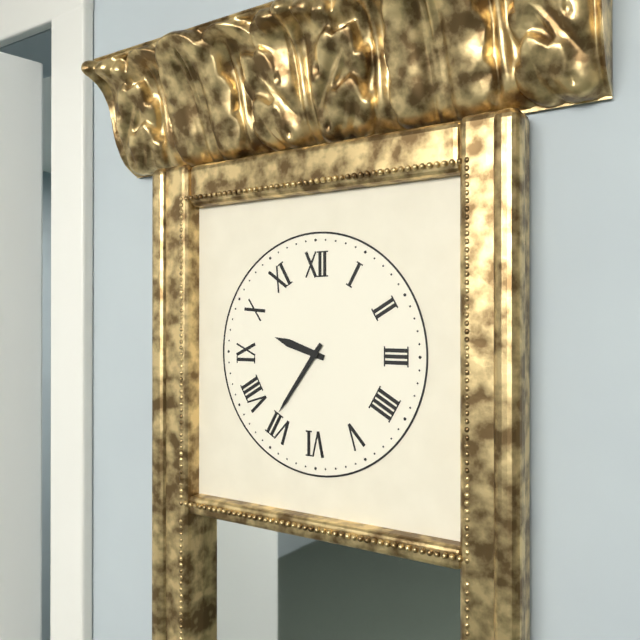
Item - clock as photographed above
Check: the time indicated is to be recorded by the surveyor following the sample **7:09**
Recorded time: **9:36**
